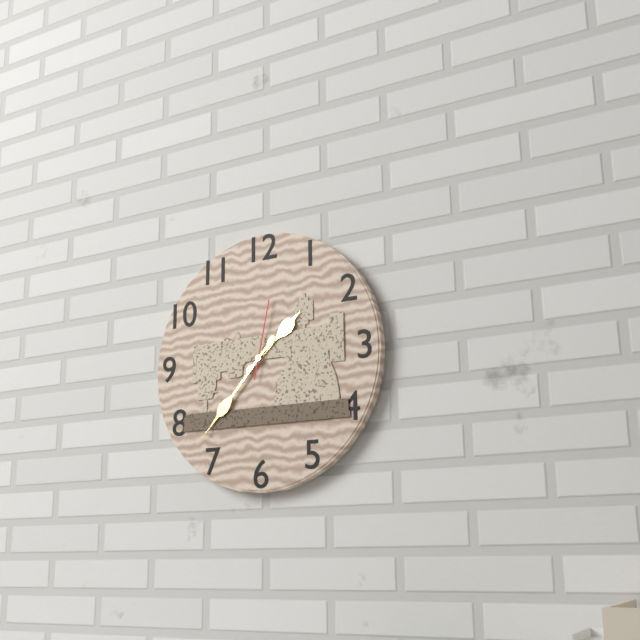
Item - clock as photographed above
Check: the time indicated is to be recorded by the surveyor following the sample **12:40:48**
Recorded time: **1:37:02**
